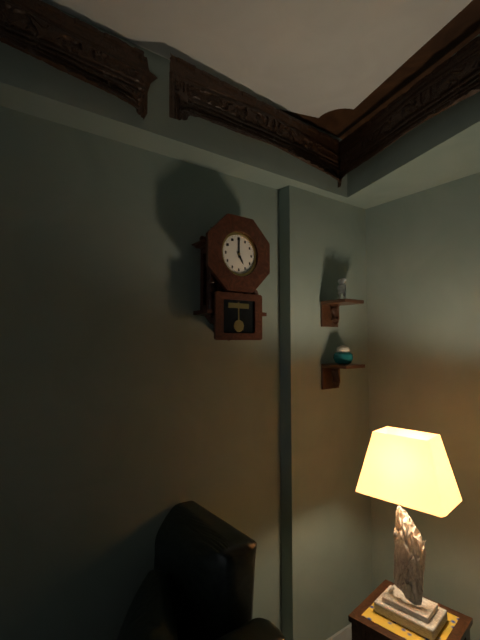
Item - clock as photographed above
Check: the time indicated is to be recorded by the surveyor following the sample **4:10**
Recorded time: **5:00**
